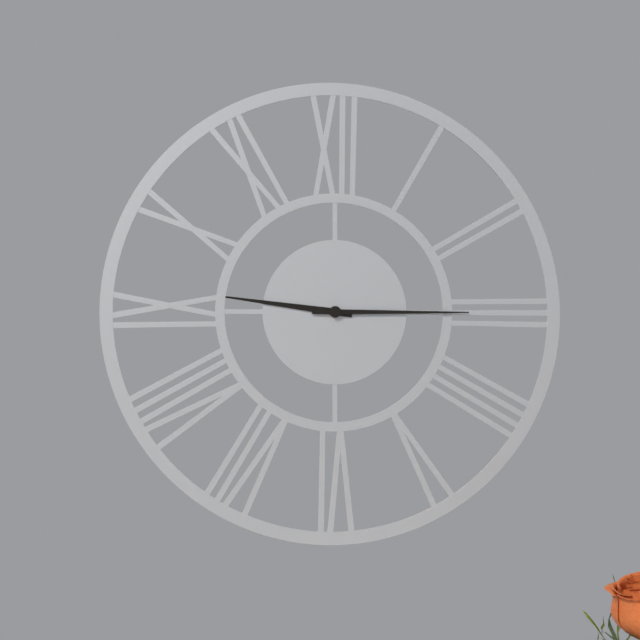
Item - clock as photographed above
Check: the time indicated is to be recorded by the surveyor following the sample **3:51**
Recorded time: **9:15**
